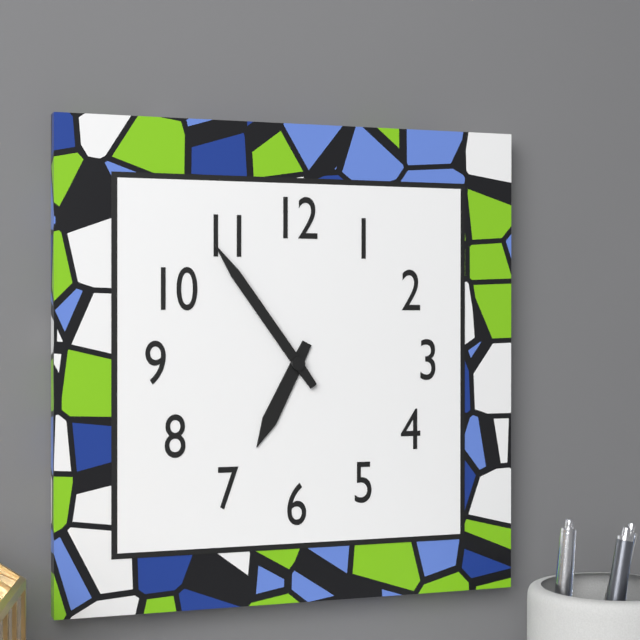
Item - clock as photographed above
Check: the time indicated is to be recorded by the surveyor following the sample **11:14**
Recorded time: **6:54**
